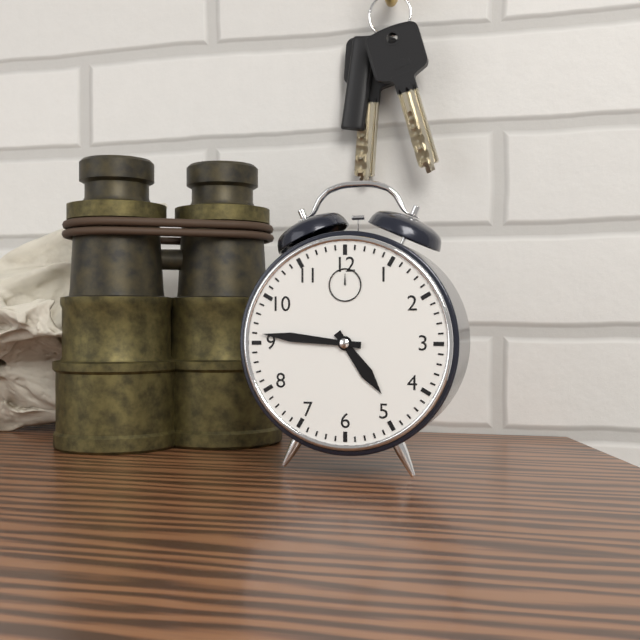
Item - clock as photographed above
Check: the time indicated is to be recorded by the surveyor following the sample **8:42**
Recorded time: **4:46**
